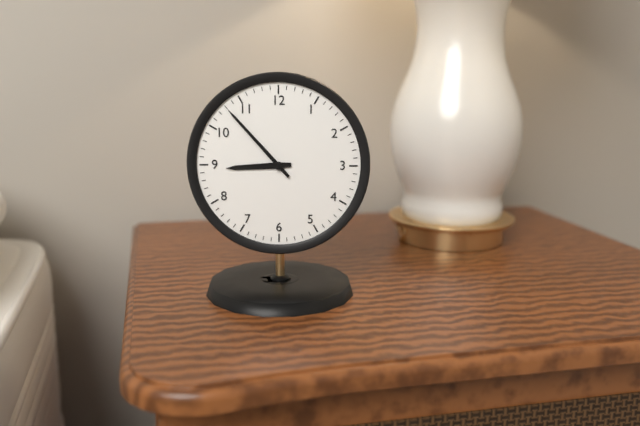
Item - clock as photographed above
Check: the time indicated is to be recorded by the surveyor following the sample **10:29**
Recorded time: **8:53**
